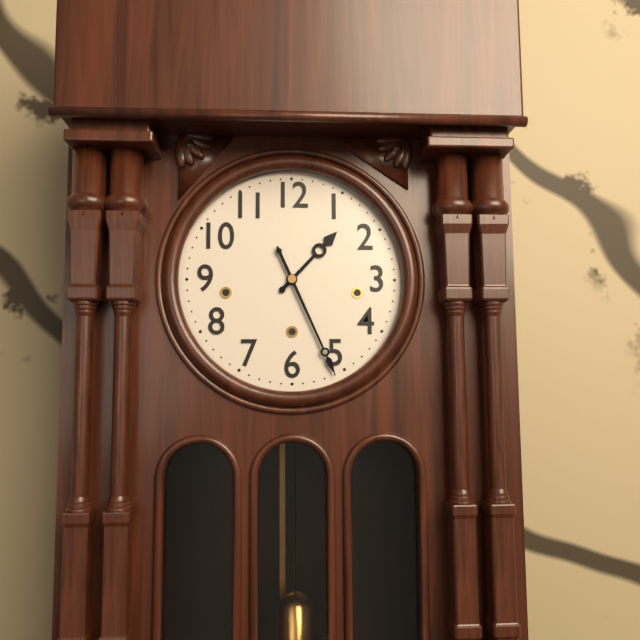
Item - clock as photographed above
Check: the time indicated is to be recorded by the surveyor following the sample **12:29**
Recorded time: **1:26**
